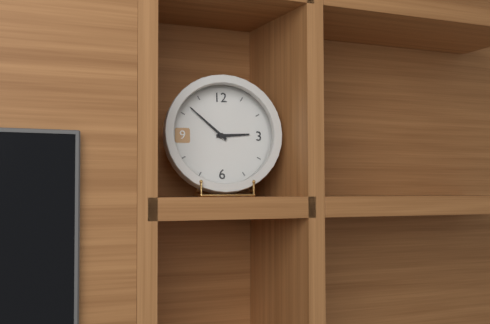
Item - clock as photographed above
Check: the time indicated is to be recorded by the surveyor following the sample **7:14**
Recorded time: **2:52**
